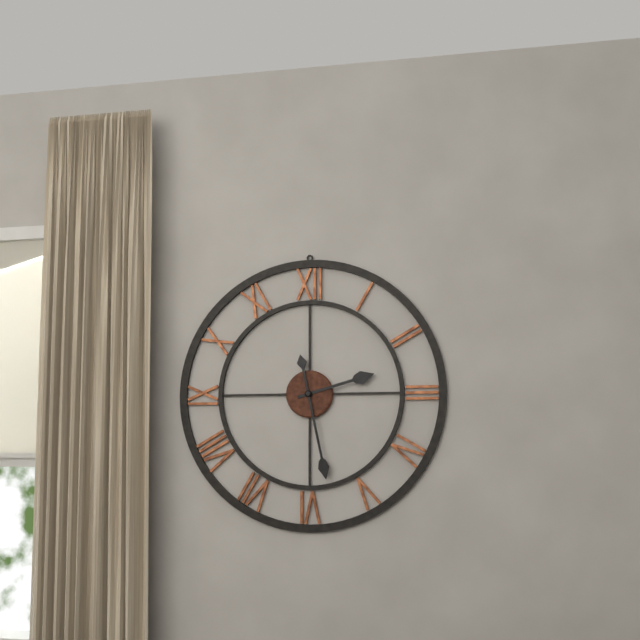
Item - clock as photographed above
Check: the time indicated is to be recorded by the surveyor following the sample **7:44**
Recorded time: **2:28**
